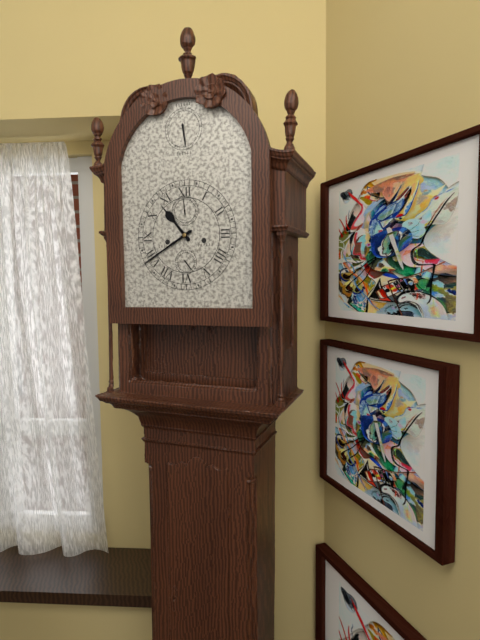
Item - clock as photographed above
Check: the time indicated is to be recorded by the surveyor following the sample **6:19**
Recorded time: **10:40**
